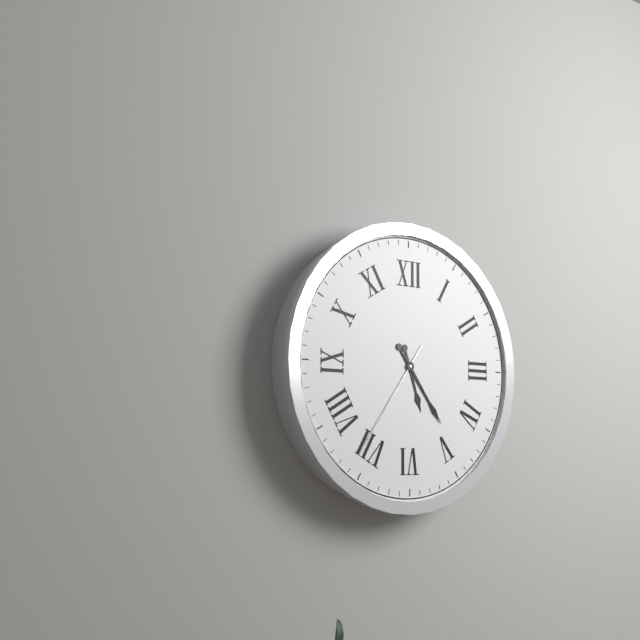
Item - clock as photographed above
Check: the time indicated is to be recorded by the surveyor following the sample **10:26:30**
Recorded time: **5:24:36**
